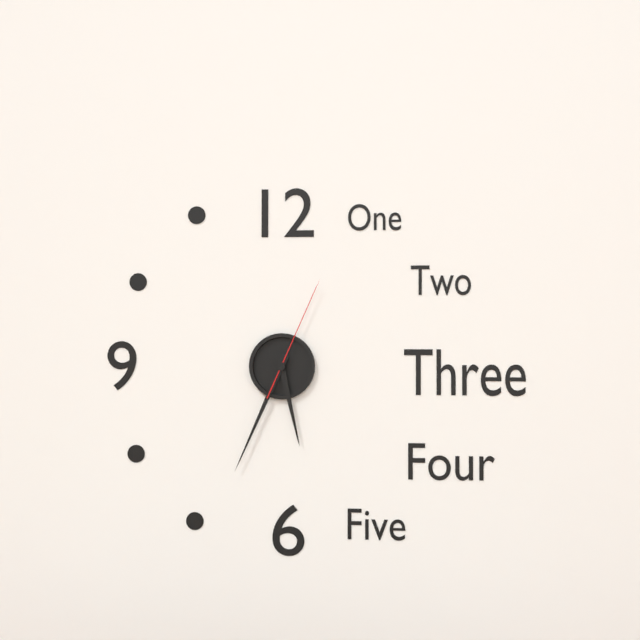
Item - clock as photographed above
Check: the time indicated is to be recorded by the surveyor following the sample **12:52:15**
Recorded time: **5:34:04**
